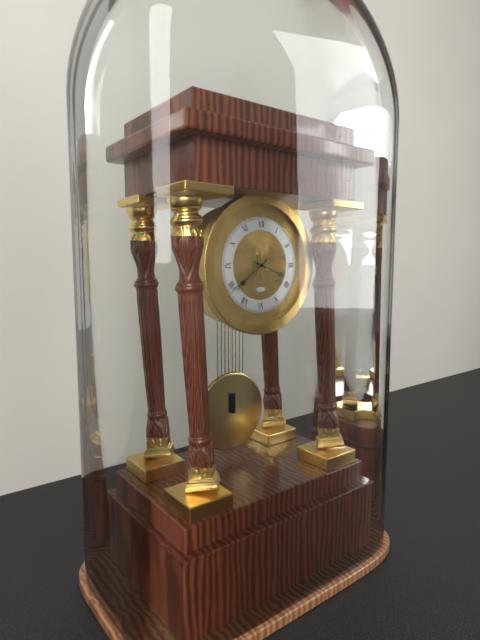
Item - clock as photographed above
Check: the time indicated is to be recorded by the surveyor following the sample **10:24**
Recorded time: **3:39**
